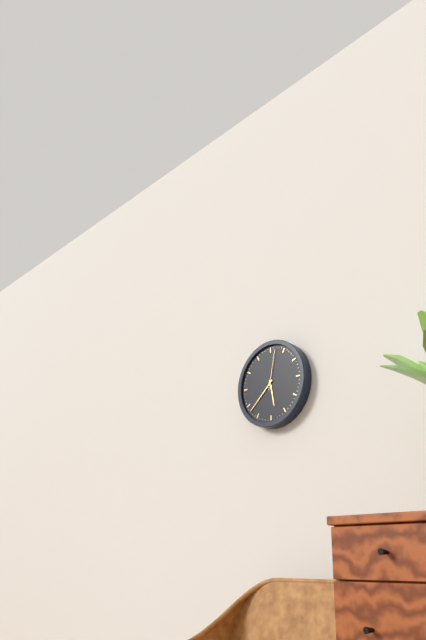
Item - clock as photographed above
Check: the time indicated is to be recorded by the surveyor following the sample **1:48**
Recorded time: **5:38**
